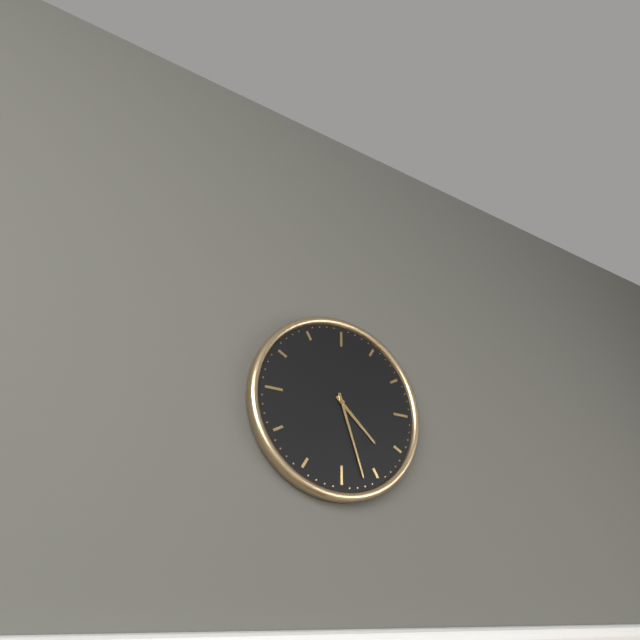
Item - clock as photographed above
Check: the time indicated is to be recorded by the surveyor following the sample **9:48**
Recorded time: **4:27**
